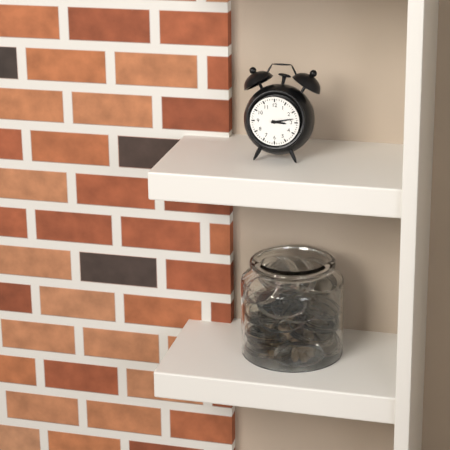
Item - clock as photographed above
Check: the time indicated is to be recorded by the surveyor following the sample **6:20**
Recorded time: **3:13**
